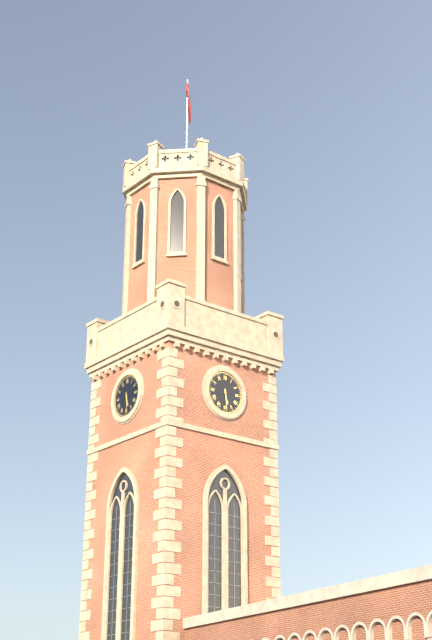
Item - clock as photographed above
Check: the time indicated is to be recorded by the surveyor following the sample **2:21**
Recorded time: **5:29**
